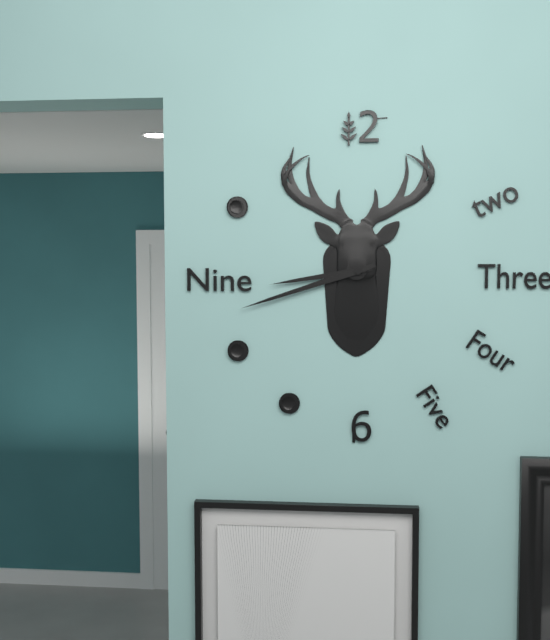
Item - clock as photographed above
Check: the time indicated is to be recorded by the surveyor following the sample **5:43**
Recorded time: **8:42**
